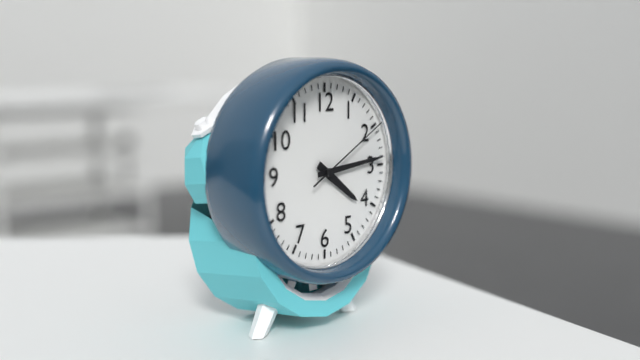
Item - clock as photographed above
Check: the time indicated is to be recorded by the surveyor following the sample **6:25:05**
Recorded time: **4:14:10**
